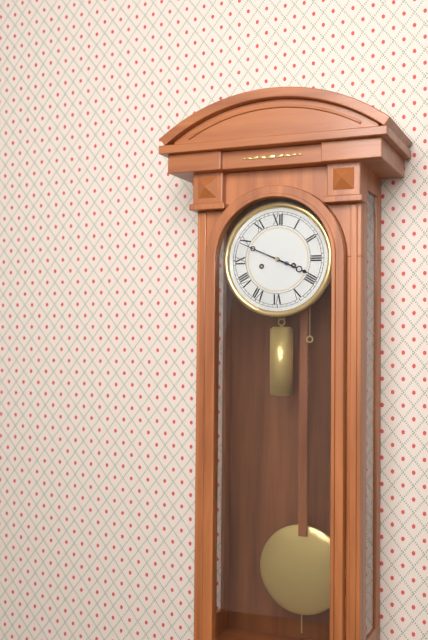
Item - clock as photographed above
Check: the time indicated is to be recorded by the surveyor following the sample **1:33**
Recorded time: **3:49**
